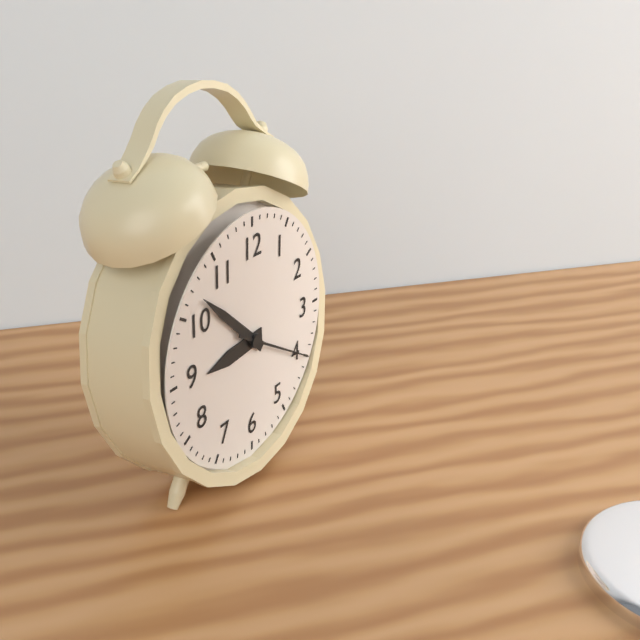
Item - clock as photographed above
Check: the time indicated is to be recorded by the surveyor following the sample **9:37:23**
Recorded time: **8:52:20**
